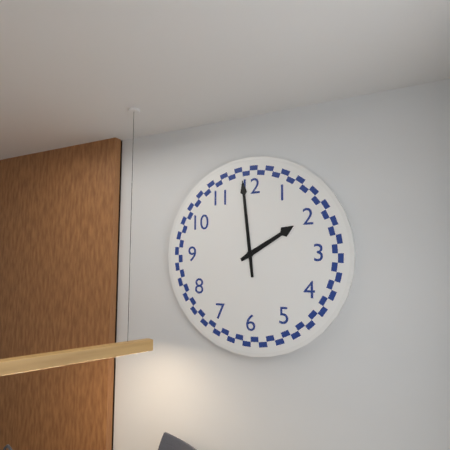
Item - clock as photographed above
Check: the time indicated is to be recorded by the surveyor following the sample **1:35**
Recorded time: **1:59**
